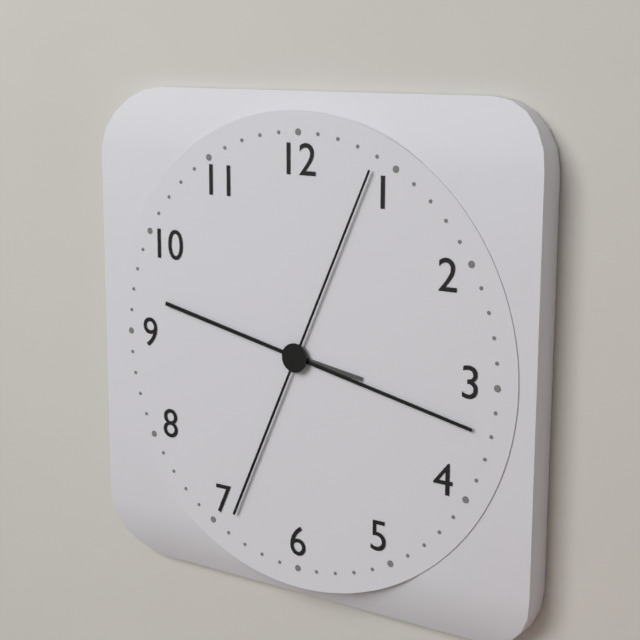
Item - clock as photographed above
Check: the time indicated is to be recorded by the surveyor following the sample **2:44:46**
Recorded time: **3:17:04**
